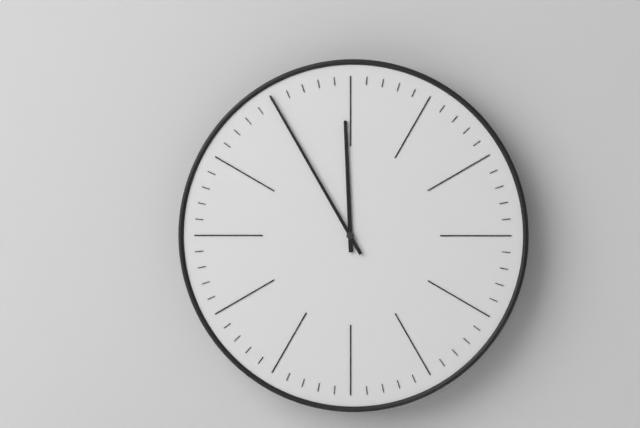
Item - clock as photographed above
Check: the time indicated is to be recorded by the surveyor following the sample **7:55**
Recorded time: **11:55**
